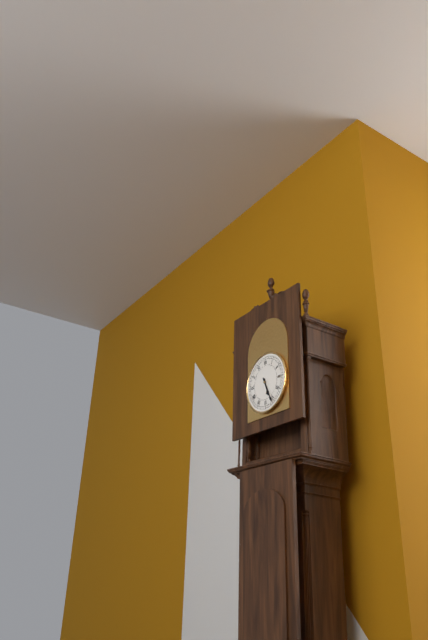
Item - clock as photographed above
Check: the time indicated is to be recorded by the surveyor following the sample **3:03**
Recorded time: **5:26**
